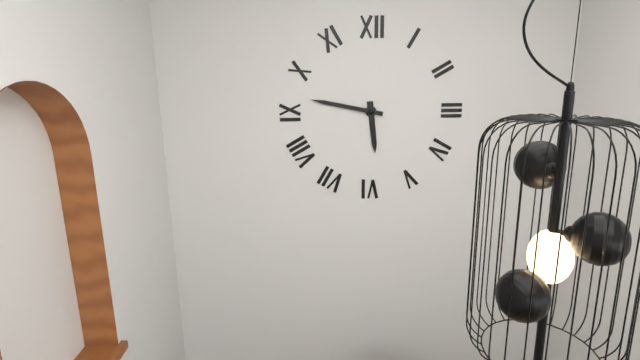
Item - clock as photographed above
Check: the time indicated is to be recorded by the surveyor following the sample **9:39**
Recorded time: **5:47**
